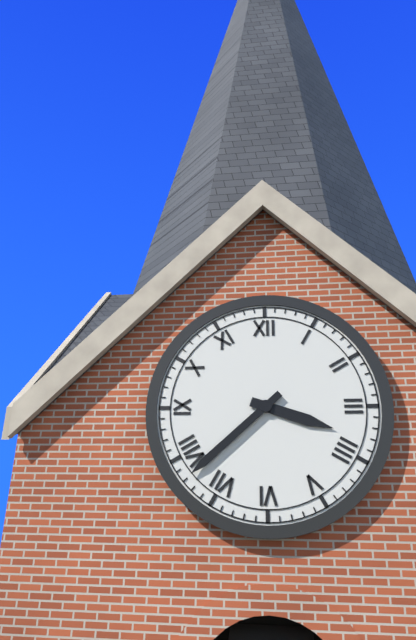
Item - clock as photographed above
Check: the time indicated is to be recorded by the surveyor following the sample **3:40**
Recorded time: **3:38**
